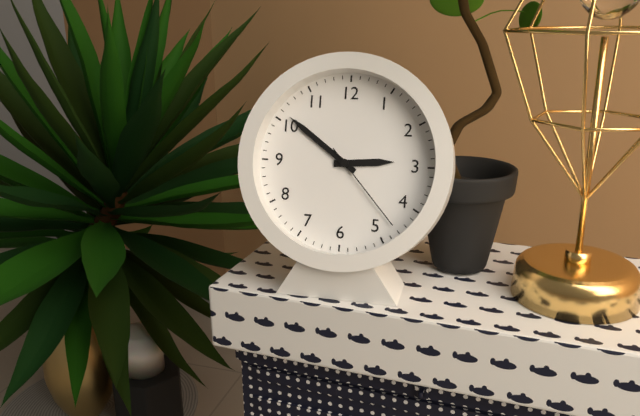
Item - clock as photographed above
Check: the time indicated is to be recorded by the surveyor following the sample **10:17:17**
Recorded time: **2:51:23**
